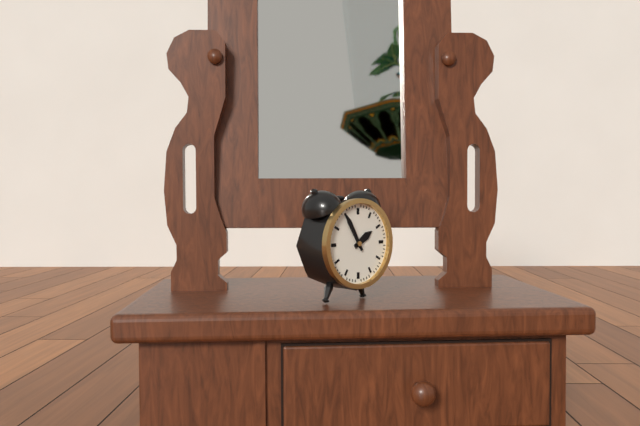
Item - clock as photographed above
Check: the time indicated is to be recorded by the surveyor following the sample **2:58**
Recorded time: **1:55**
